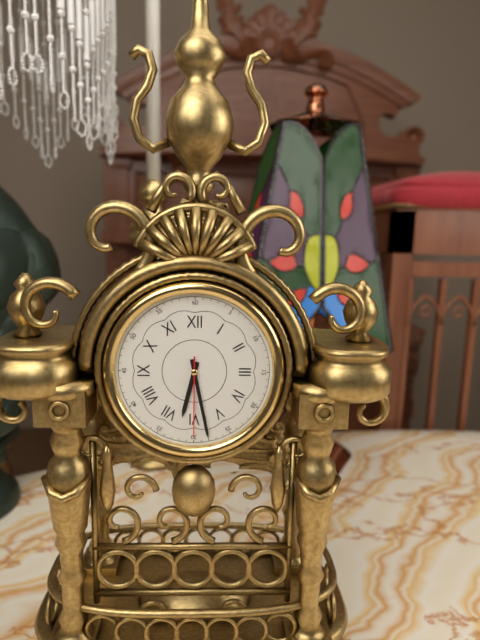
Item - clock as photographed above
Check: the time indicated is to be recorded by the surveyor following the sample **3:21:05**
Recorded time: **6:28:30**
